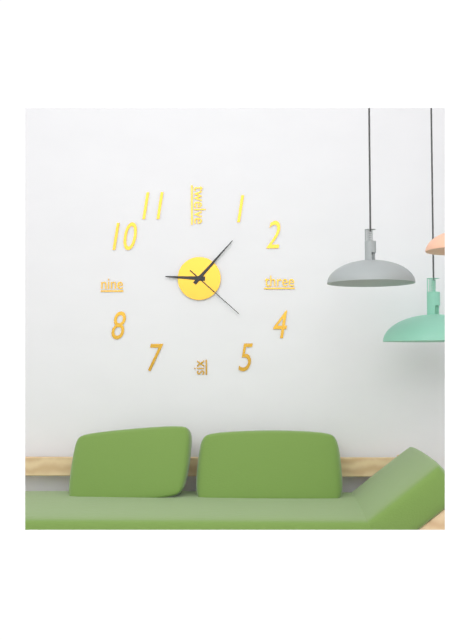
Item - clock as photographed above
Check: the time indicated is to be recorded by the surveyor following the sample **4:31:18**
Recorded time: **9:07:22**
